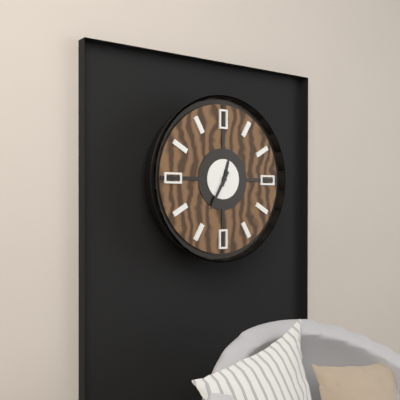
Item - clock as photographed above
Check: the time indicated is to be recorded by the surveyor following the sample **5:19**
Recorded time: **12:35**
